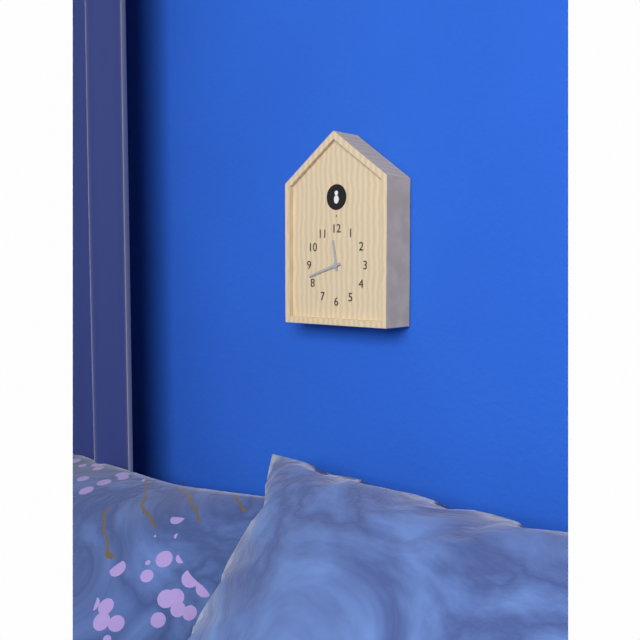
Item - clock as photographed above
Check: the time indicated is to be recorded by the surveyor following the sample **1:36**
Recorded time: **11:42**
